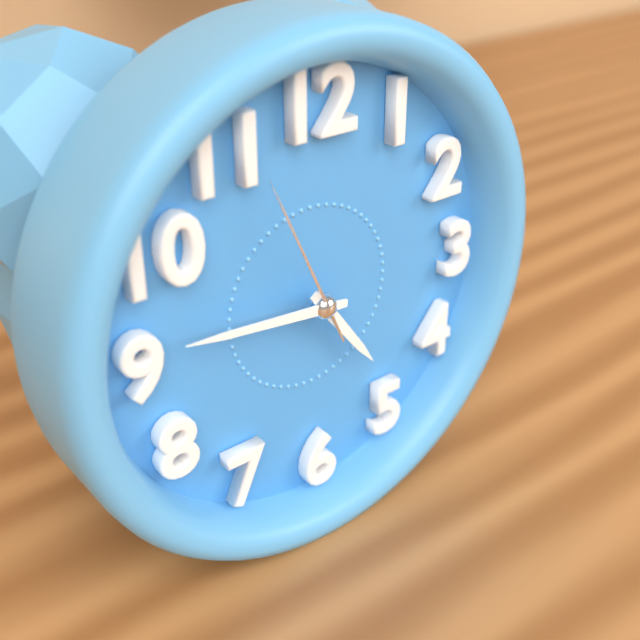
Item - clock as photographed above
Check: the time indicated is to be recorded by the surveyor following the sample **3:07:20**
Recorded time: **4:46:56**
